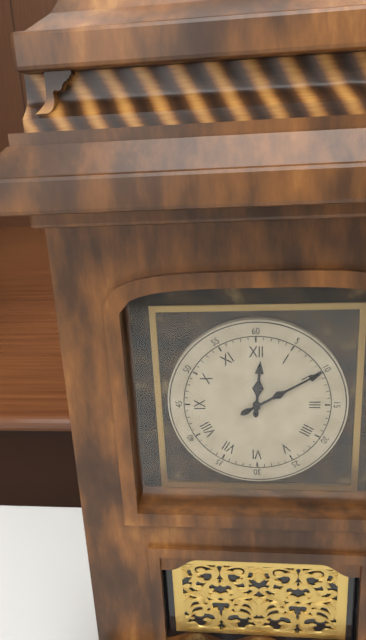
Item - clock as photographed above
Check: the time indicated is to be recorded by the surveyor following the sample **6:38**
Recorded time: **12:10**
